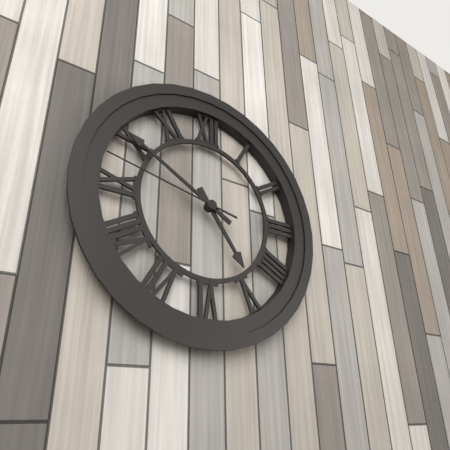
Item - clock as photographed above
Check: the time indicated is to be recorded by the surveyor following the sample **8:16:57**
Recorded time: **4:50:47**
